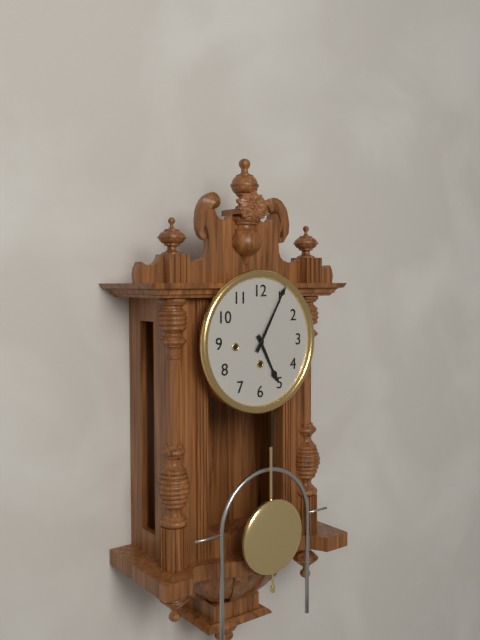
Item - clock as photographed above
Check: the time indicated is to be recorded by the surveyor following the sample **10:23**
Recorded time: **5:05**
